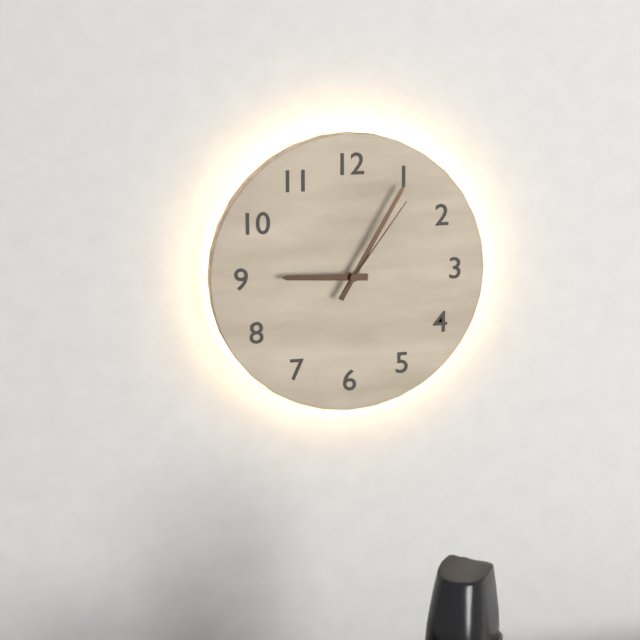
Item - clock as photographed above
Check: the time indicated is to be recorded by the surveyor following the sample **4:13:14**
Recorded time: **9:05:06**
